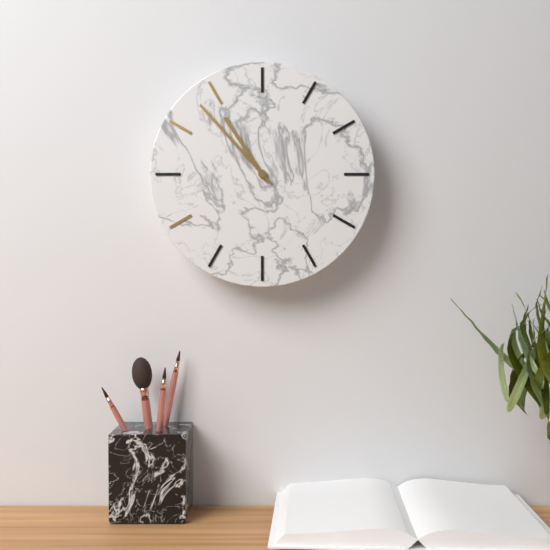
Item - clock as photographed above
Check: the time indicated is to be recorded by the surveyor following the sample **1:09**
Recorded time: **10:53**
